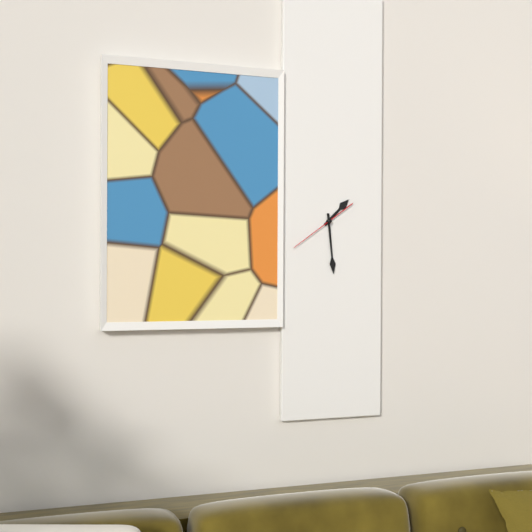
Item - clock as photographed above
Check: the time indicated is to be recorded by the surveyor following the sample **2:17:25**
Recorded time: **1:29:39**
